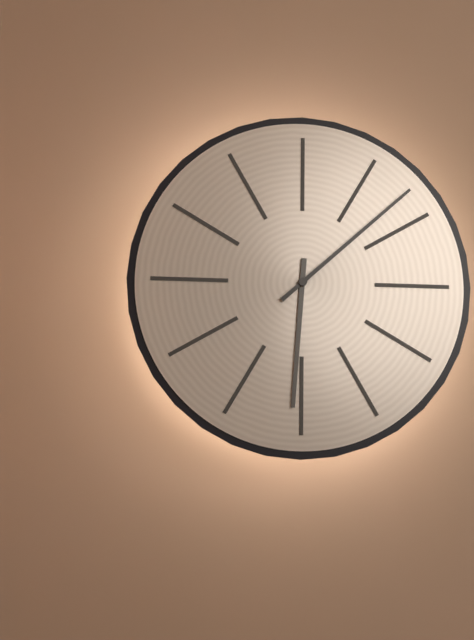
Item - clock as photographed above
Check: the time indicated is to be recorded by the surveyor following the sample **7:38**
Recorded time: **6:08**
